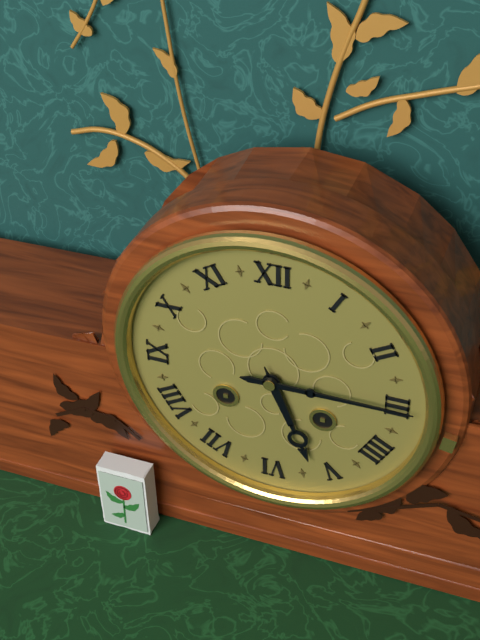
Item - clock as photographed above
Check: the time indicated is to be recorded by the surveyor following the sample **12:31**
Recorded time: **5:15**
